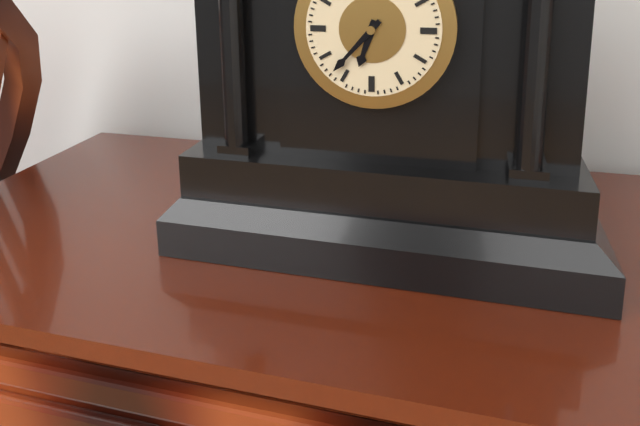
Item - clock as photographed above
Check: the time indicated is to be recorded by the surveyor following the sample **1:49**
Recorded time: **6:37**
